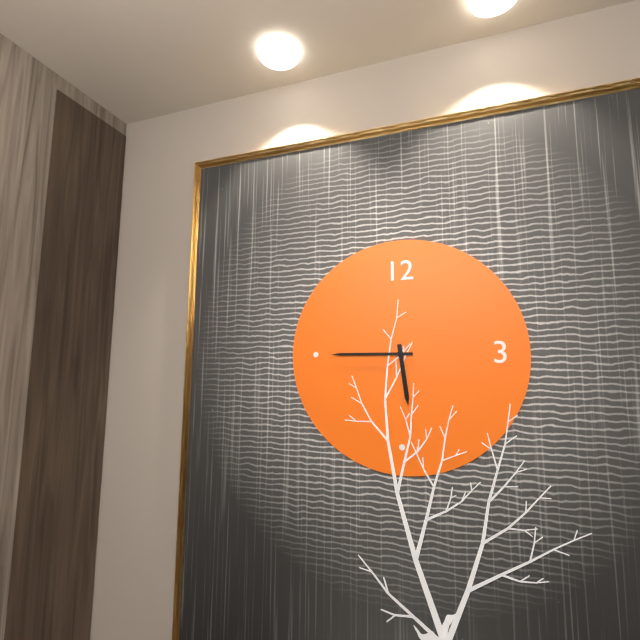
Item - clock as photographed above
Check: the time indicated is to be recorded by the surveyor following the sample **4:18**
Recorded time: **5:45**
